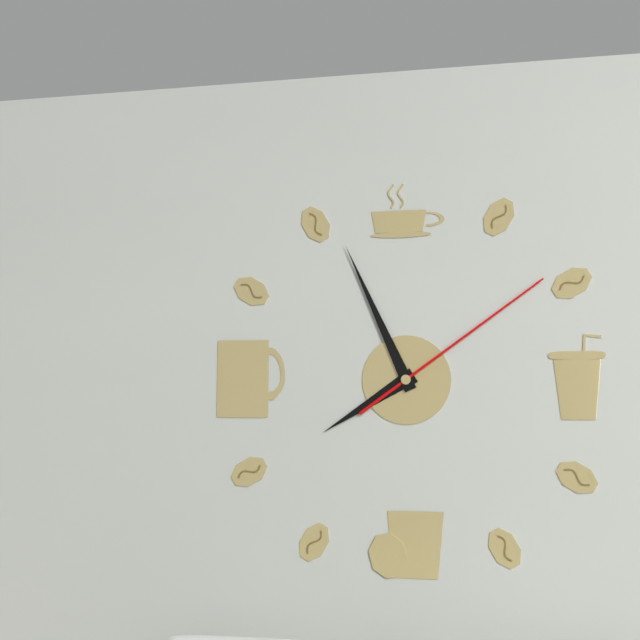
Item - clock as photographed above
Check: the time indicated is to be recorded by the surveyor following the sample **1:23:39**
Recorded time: **7:56:09**
